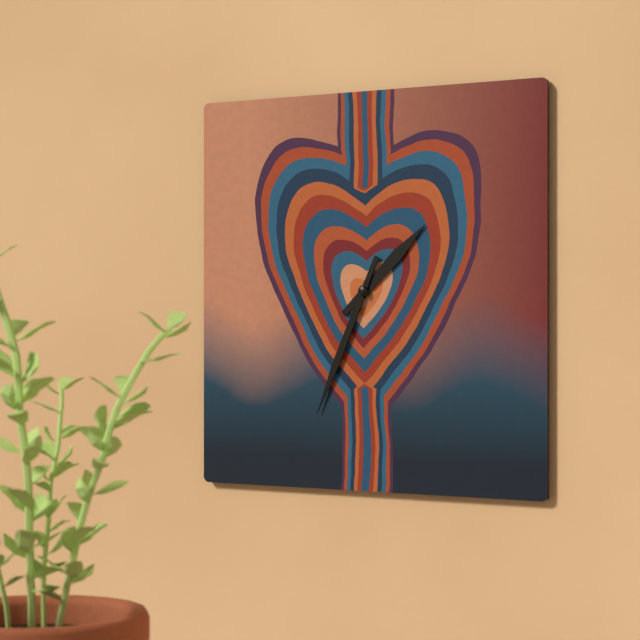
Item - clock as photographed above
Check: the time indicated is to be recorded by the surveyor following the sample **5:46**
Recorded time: **1:34**
